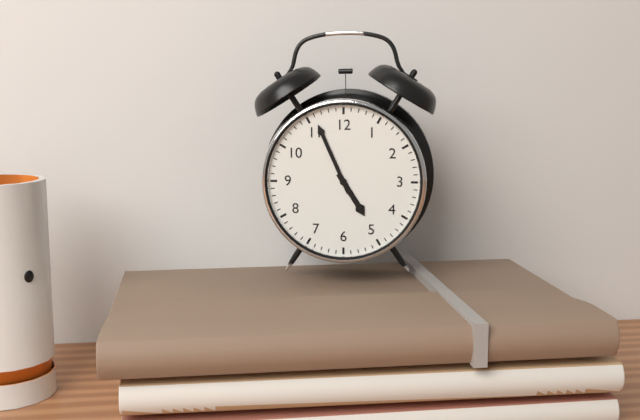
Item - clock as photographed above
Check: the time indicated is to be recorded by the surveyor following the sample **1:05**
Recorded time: **4:56**
